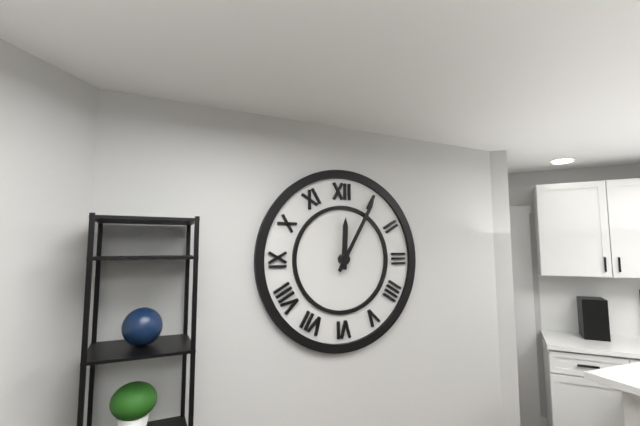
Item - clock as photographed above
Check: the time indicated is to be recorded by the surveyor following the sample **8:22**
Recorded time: **12:05**
